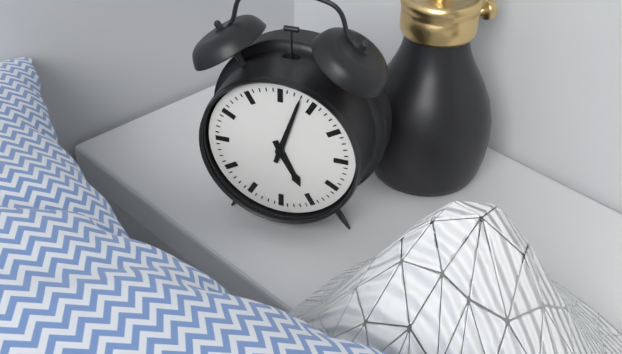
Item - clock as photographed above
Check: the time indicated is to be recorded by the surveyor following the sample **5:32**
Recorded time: **5:03**
